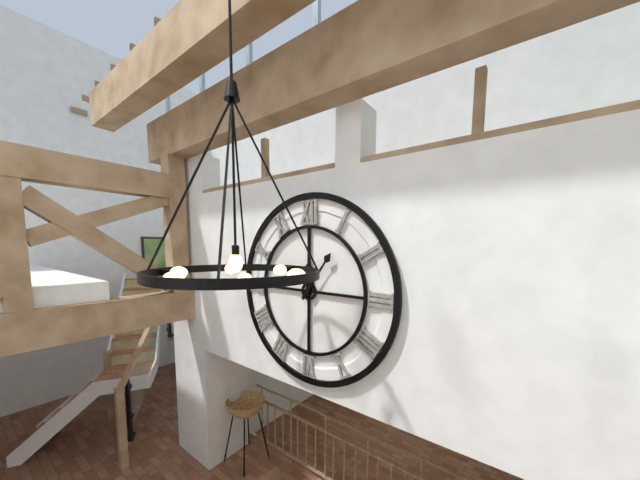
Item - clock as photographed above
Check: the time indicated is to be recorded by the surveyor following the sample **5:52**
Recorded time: **12:06**
